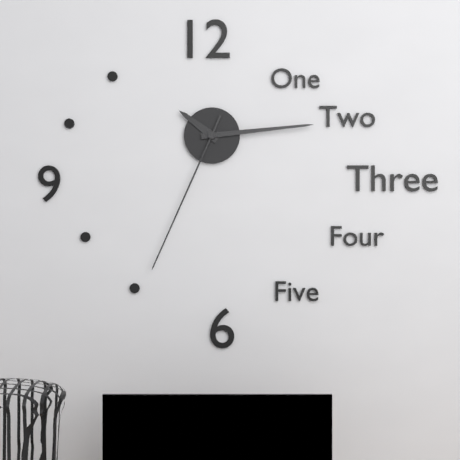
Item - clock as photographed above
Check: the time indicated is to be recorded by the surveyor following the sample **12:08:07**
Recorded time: **10:14:34**
